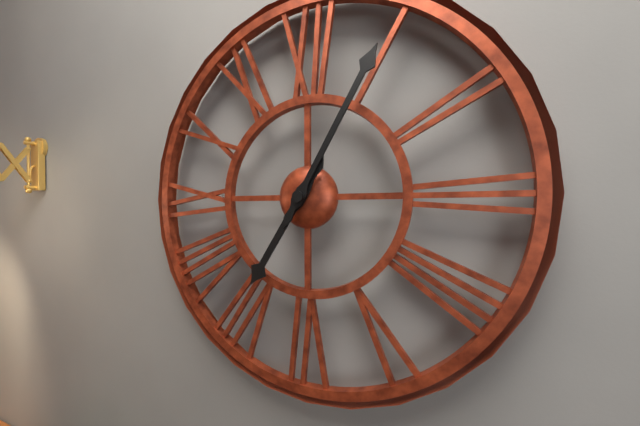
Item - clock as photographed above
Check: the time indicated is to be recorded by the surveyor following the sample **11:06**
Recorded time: **7:05**
